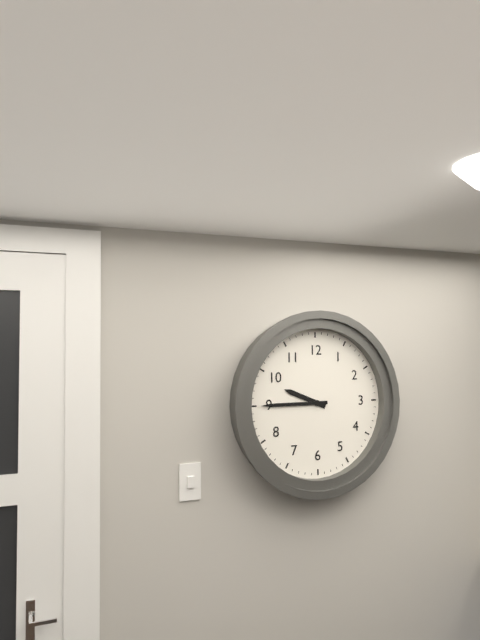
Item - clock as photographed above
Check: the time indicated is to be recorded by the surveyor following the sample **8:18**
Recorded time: **9:45**
